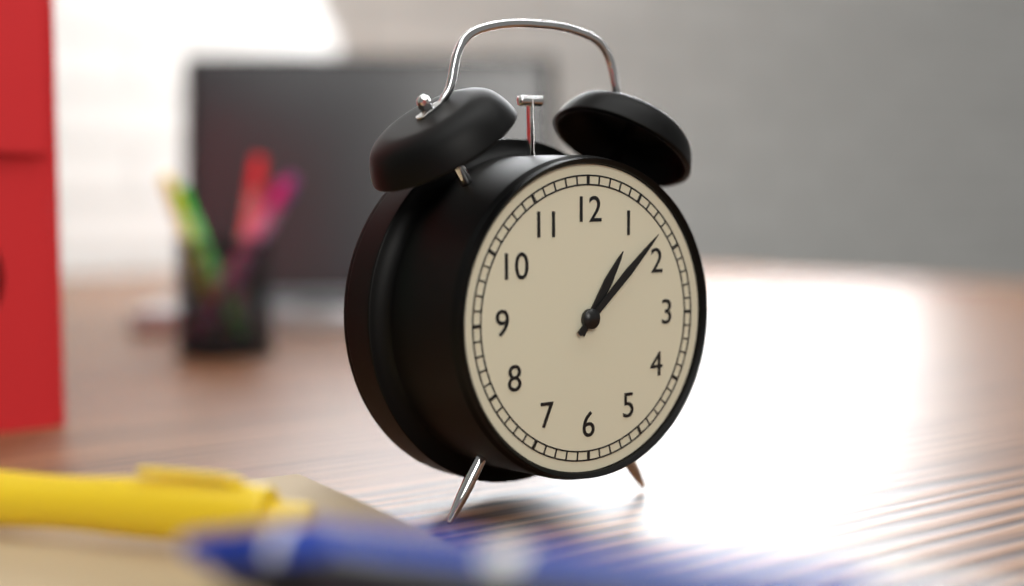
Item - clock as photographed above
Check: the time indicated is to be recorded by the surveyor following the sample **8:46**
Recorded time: **1:08**
